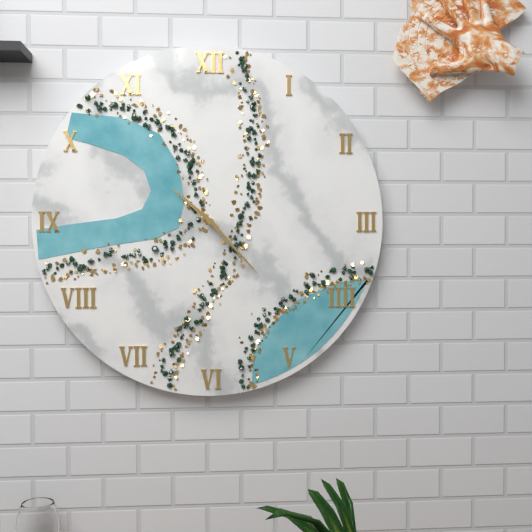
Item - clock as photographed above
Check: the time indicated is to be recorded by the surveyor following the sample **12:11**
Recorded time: **10:23**
